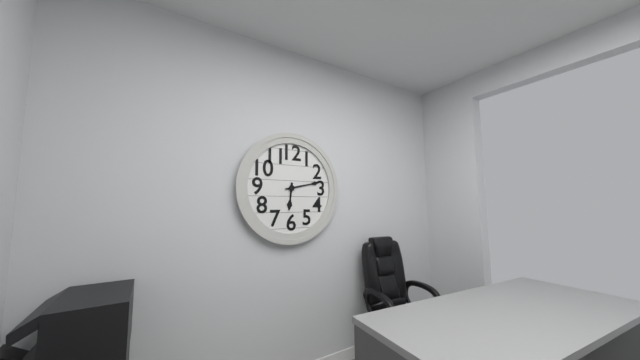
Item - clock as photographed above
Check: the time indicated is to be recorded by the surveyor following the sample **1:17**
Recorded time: **6:13**
